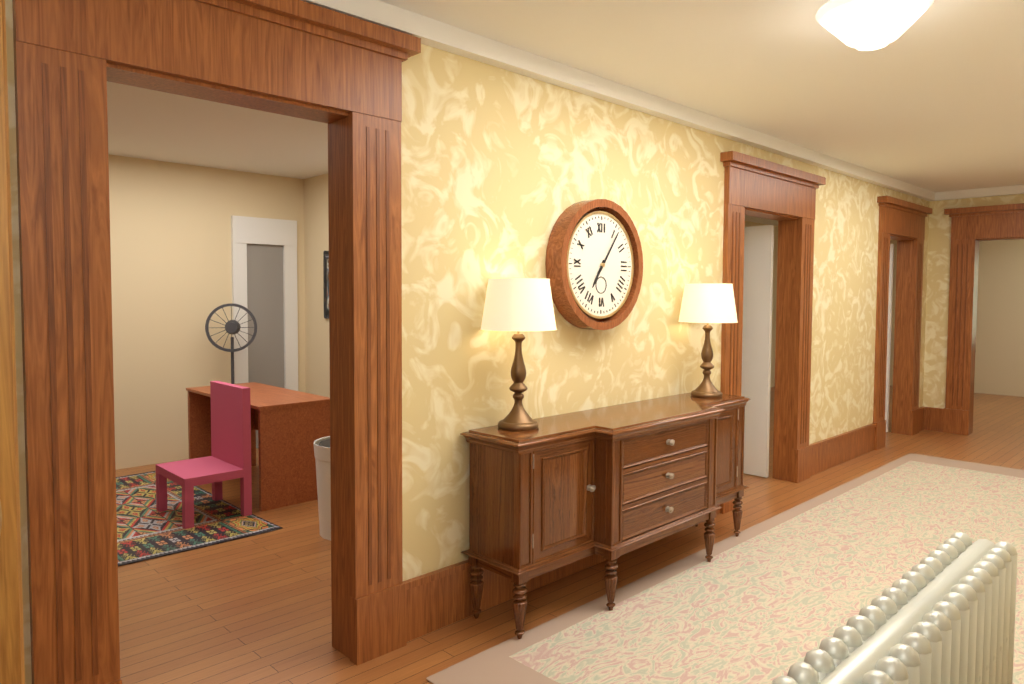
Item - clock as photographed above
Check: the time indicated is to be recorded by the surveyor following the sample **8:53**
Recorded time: **7:06**
